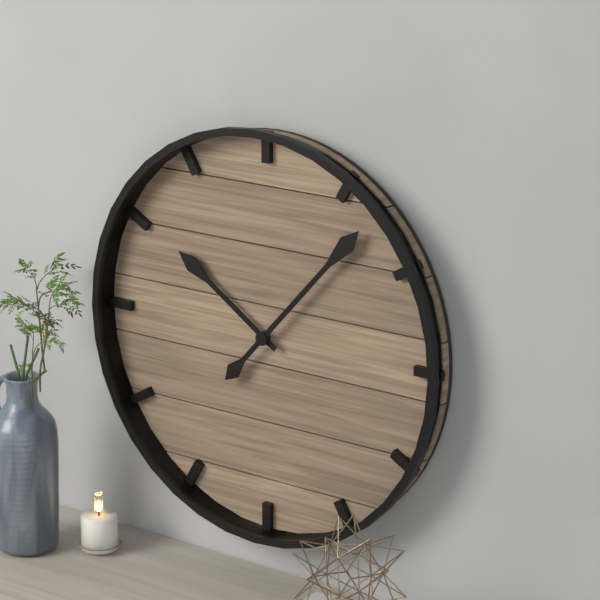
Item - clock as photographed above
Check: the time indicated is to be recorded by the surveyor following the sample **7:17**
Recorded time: **10:07**
